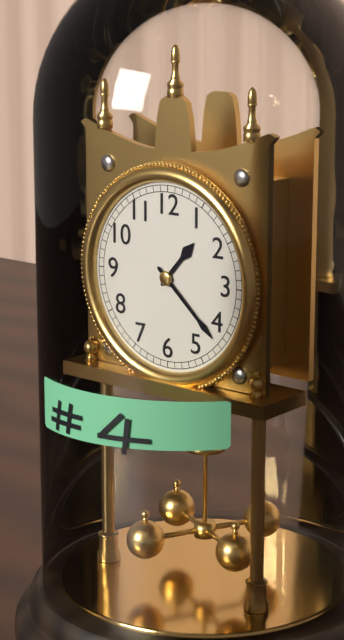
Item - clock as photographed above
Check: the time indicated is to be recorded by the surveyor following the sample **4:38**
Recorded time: **1:22**
